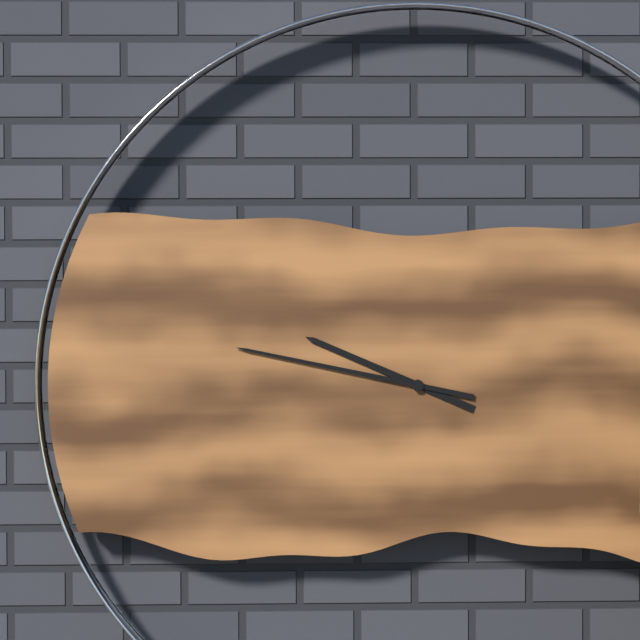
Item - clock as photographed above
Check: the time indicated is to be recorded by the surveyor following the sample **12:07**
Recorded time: **9:47**
